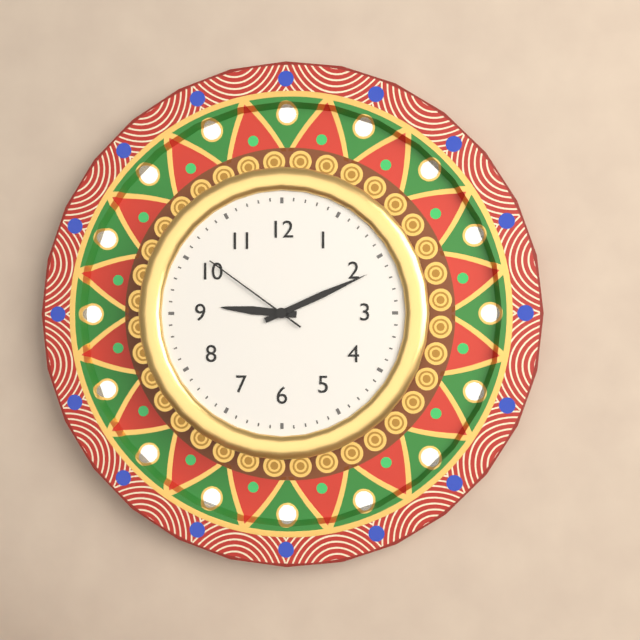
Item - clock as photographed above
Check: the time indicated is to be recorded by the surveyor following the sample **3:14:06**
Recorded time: **9:11:51**
